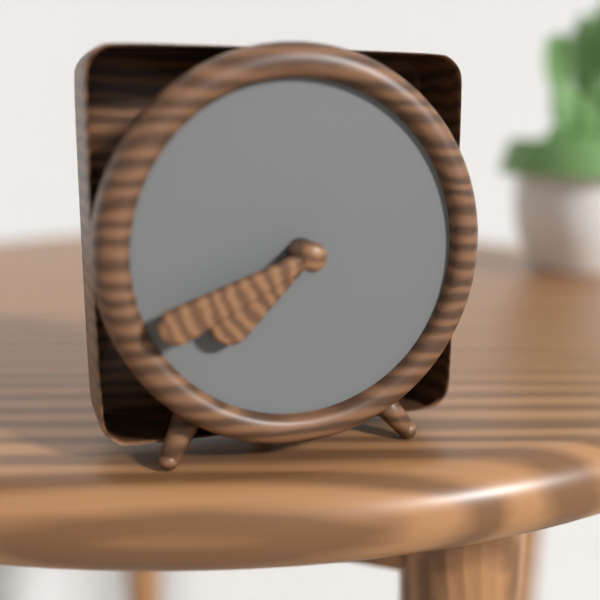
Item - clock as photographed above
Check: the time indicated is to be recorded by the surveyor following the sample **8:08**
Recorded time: **7:41**
